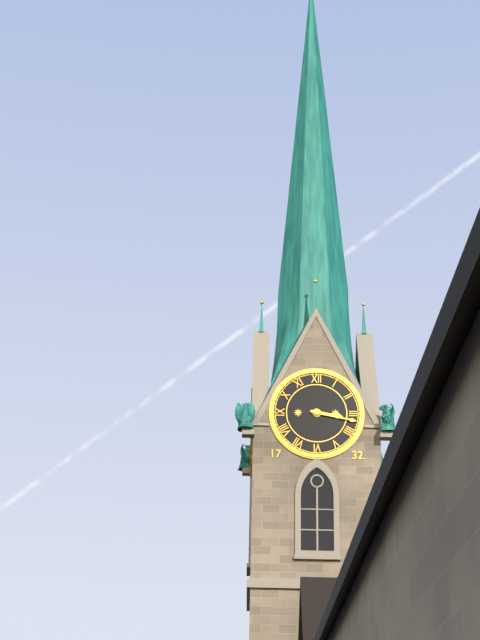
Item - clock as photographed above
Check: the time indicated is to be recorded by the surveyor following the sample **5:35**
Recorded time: **3:17**
